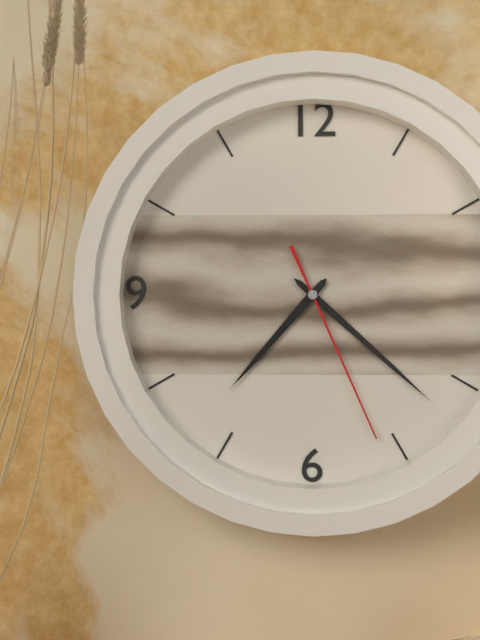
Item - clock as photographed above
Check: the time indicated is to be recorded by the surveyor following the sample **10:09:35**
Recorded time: **7:22:26**
